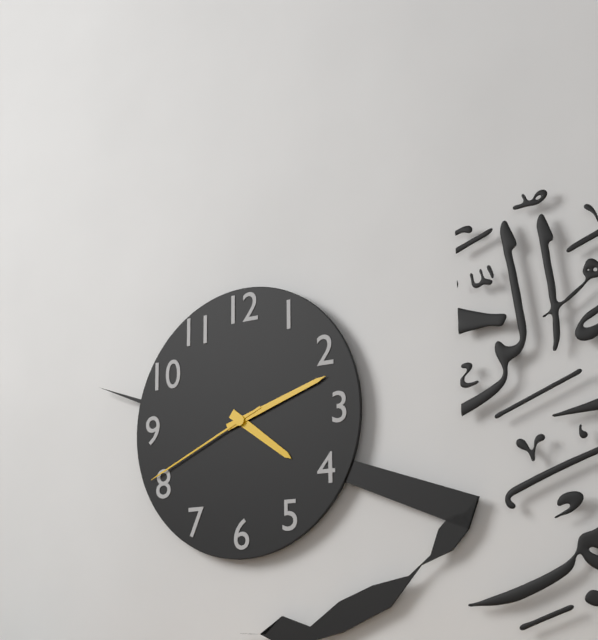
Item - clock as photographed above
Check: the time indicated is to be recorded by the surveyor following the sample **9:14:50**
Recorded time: **4:12:41**
